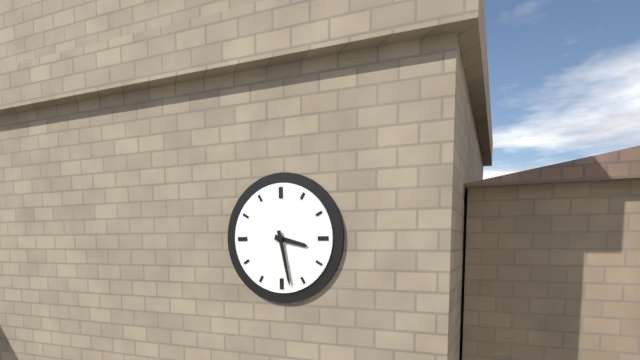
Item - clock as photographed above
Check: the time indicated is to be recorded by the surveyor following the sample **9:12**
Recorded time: **3:28**
